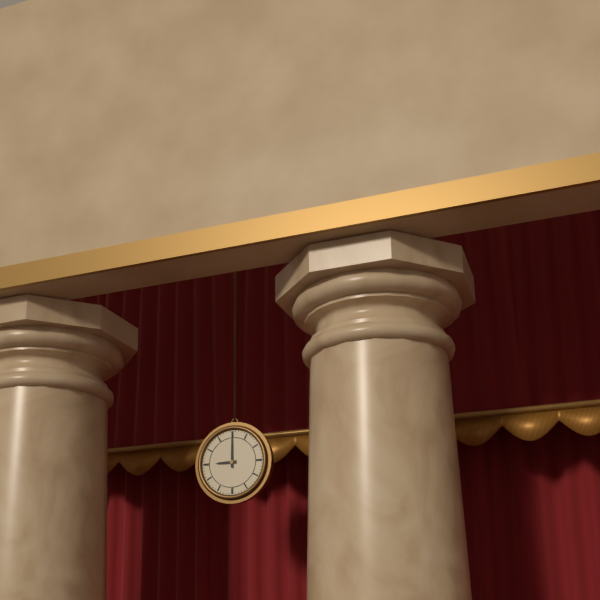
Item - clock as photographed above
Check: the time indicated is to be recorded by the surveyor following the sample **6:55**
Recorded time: **9:00**
